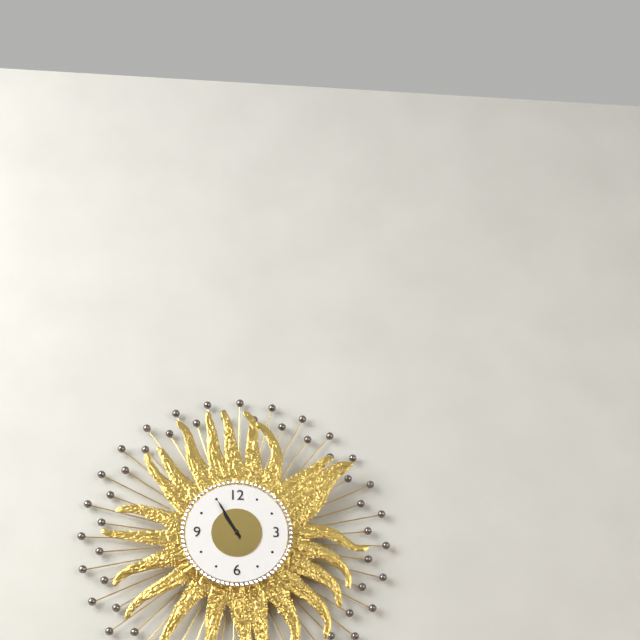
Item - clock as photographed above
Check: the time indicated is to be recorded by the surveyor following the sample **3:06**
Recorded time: **10:55**
